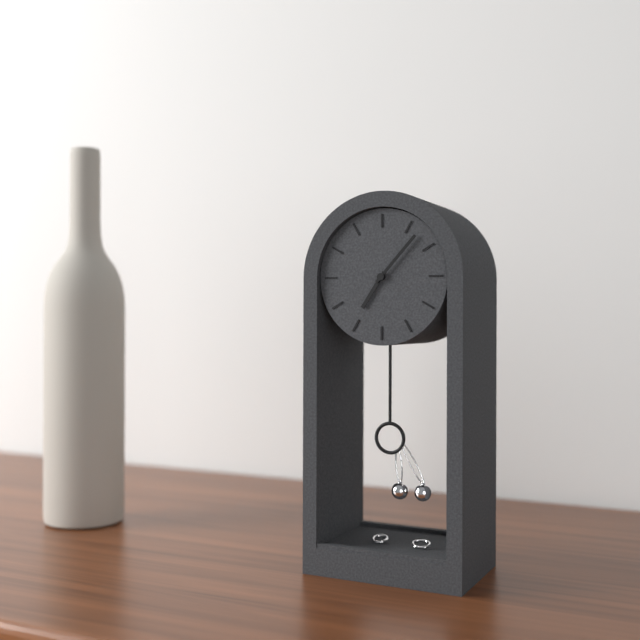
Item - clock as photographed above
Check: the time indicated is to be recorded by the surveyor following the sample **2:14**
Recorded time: **7:07**
